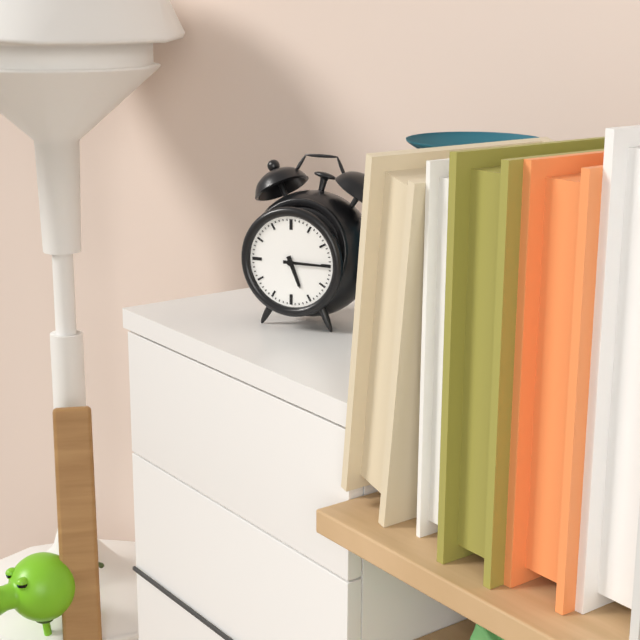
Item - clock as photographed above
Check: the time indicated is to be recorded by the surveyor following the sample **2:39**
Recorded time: **5:15**
